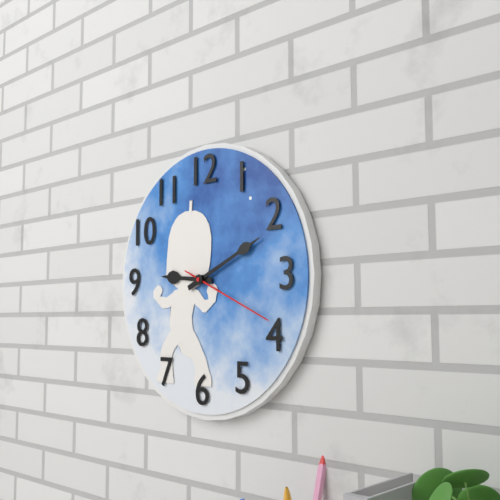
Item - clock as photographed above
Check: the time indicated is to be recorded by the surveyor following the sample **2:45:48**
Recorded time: **9:11:19**
